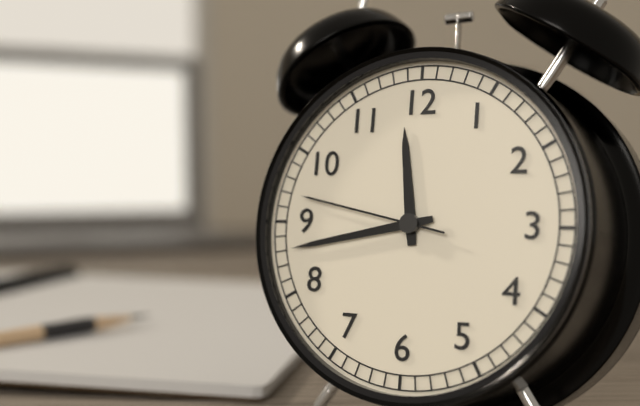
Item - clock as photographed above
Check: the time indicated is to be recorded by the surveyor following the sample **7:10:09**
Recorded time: **11:43:47**
